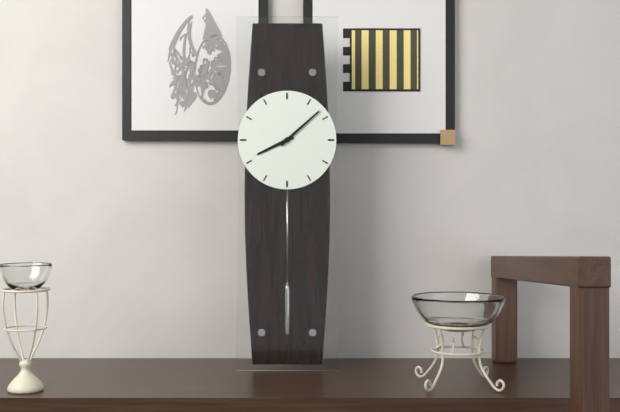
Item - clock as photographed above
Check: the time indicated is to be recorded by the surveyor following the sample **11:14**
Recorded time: **8:08**
